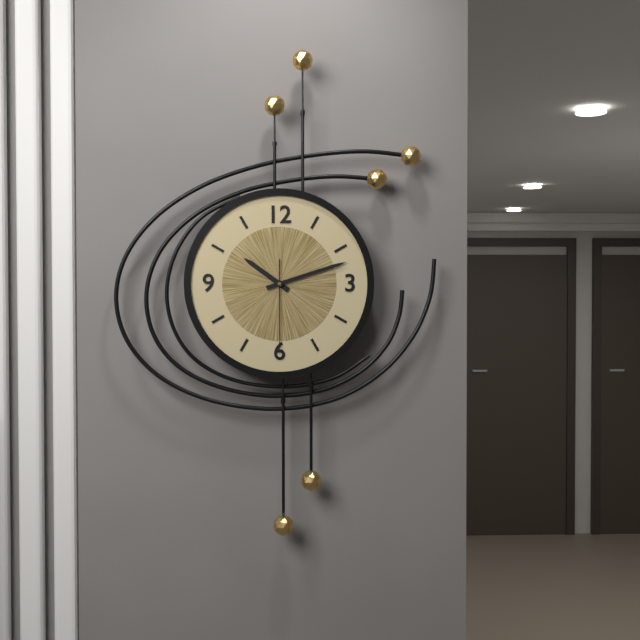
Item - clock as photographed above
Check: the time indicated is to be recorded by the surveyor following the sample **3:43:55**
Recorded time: **10:12:30**
